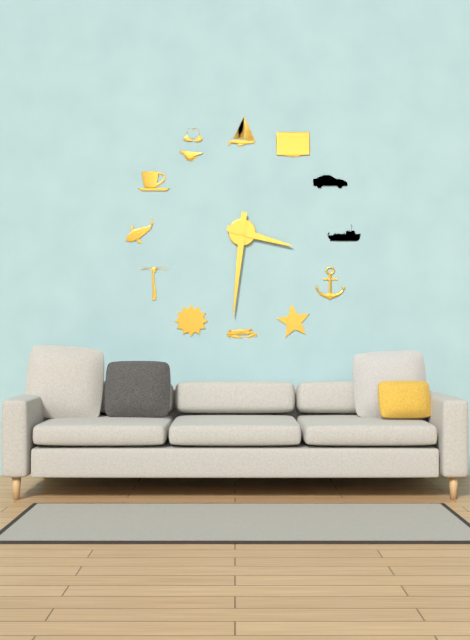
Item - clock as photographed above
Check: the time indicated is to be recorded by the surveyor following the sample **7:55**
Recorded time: **3:31**
